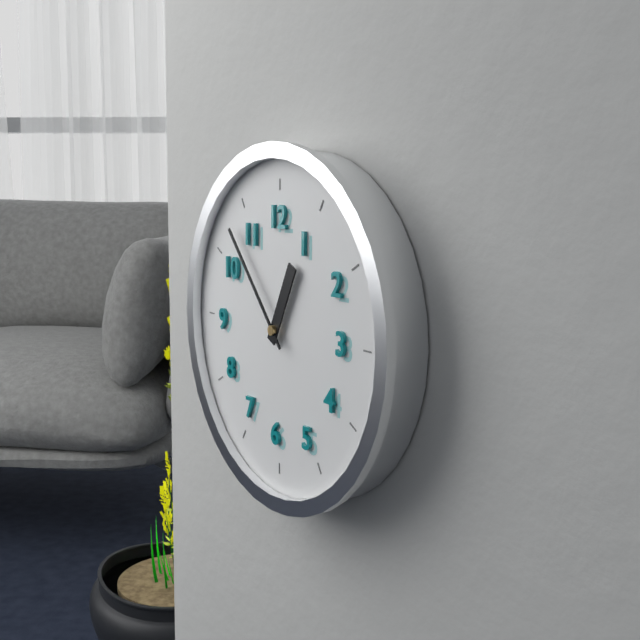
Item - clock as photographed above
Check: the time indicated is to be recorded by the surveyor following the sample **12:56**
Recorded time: **12:53**
